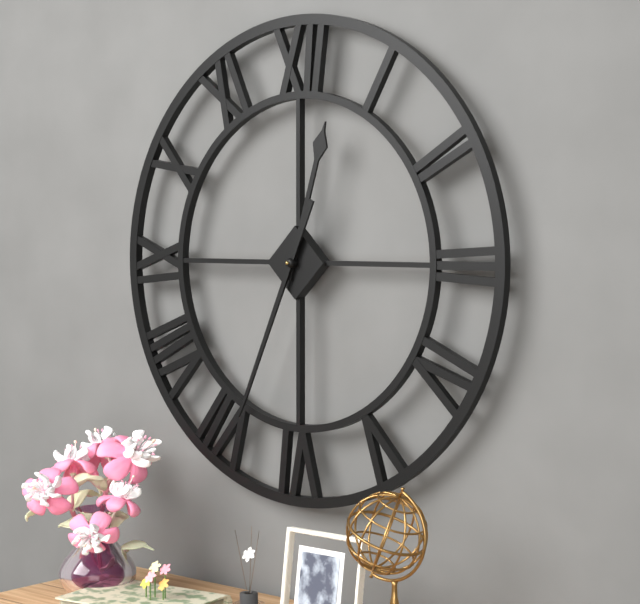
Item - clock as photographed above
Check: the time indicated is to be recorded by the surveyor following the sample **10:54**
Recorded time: **12:34**
